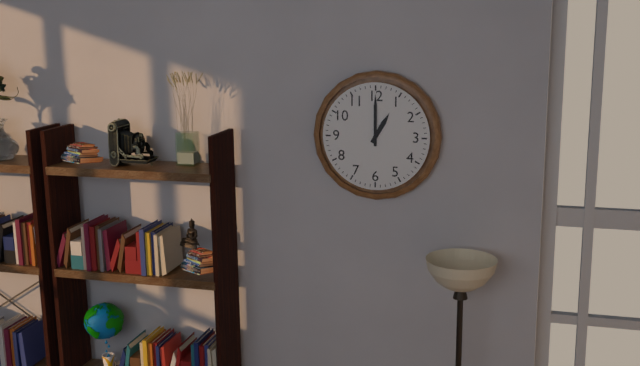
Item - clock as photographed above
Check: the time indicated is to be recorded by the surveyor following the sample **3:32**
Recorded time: **1:00**
